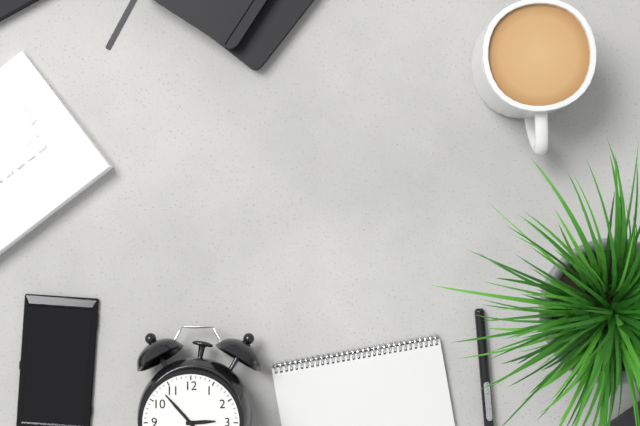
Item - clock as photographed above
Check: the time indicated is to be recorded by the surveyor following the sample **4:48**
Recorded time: **2:53**
